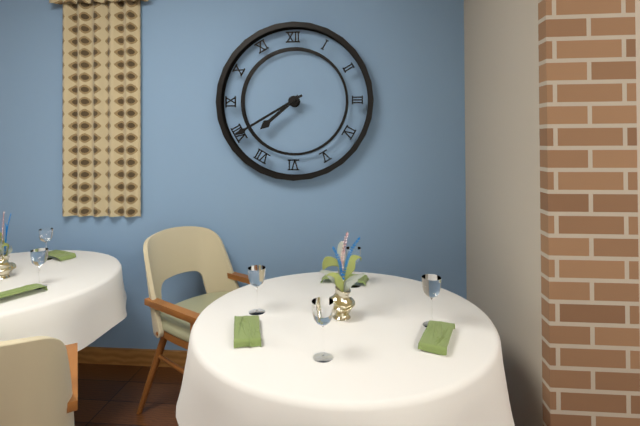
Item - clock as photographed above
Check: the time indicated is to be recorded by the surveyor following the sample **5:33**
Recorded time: **7:40**
